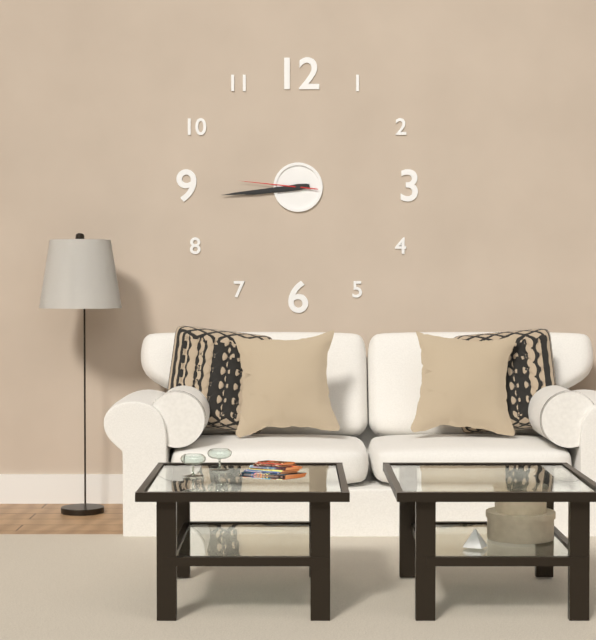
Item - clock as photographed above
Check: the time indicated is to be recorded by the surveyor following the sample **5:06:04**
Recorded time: **8:44:46**
